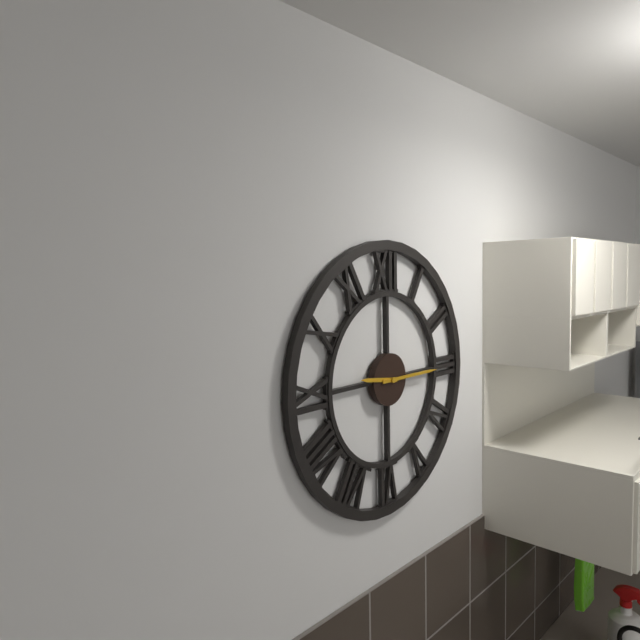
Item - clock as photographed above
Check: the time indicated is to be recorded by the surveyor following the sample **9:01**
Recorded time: **9:15**
